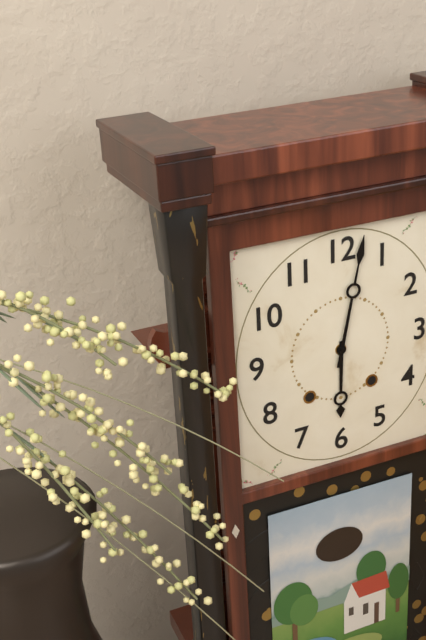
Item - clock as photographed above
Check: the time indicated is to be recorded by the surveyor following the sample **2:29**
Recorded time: **6:02**
